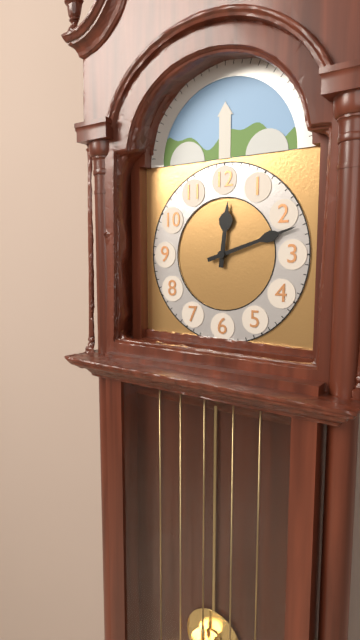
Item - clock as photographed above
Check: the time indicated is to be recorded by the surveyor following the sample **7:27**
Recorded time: **12:12**
